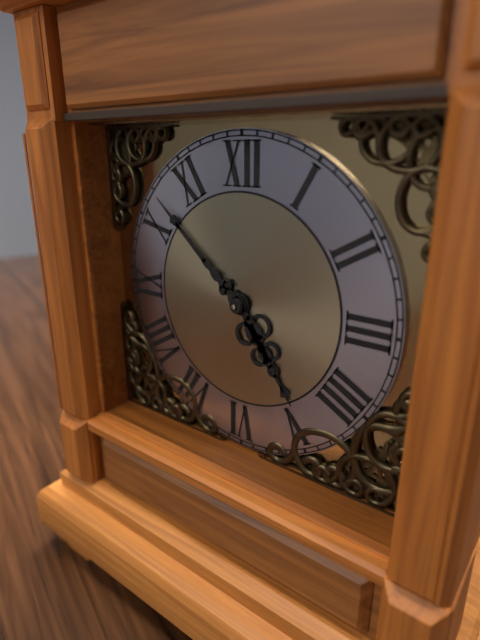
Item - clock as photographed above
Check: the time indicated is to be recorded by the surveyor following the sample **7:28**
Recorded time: **4:52**
